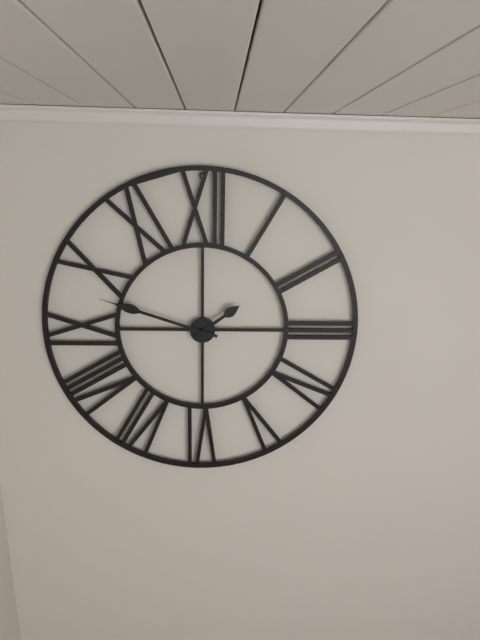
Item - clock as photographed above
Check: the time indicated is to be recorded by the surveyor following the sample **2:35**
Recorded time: **1:48**
